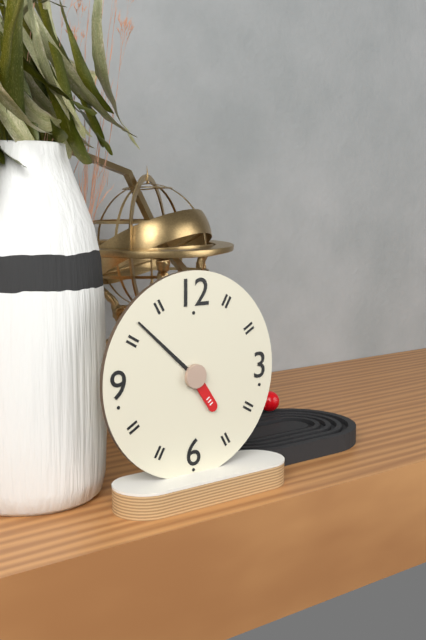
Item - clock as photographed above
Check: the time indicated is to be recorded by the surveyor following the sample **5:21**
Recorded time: **4:52**
